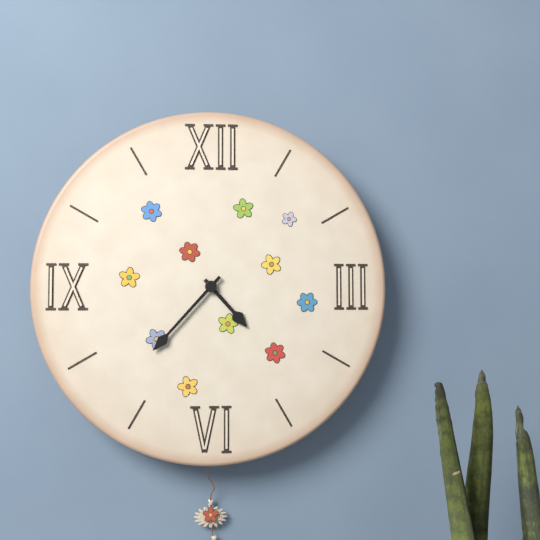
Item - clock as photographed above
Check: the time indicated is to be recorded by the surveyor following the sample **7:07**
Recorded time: **4:37**
